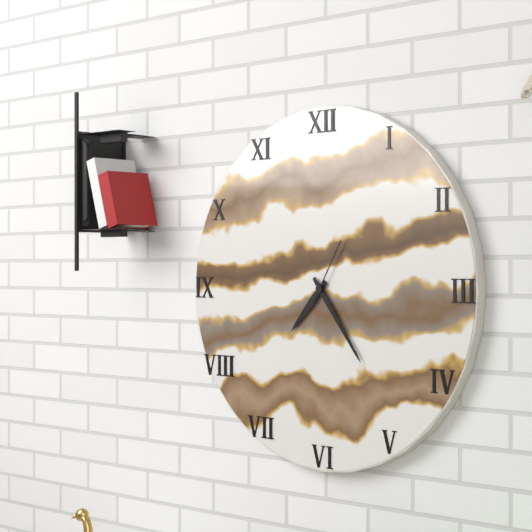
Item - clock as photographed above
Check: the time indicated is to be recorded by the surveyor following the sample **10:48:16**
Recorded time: **7:24:05**
